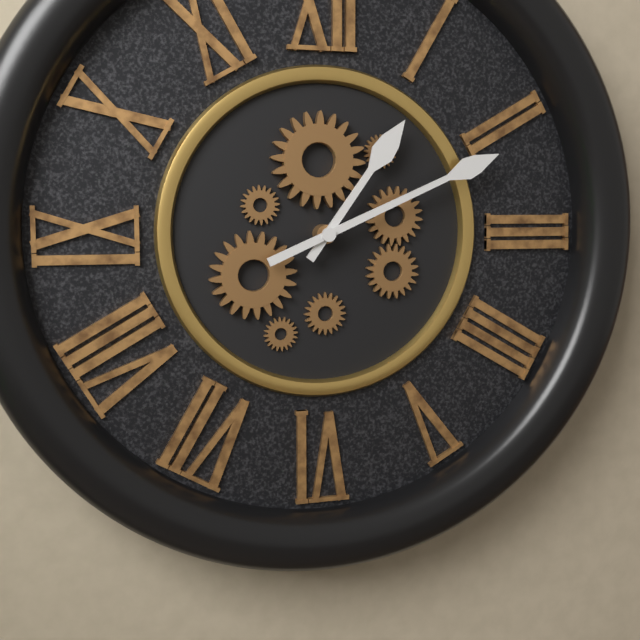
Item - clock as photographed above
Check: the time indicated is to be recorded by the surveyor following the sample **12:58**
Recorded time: **1:11**
